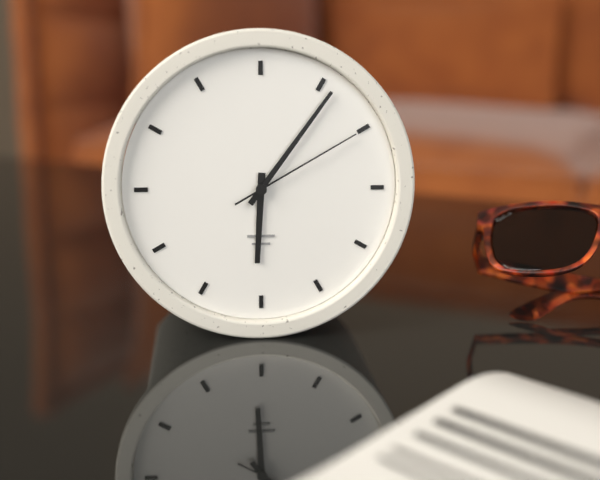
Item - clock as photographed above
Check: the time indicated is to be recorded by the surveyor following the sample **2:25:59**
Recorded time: **6:06:10**
